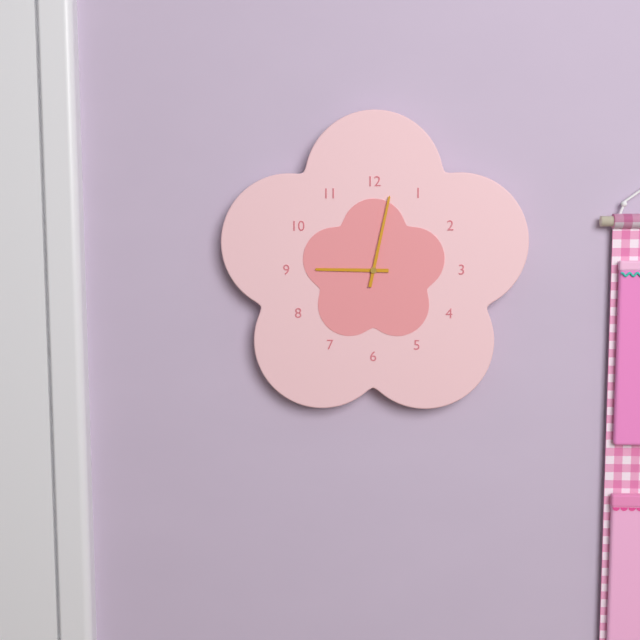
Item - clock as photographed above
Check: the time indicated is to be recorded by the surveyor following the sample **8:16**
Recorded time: **9:02**
